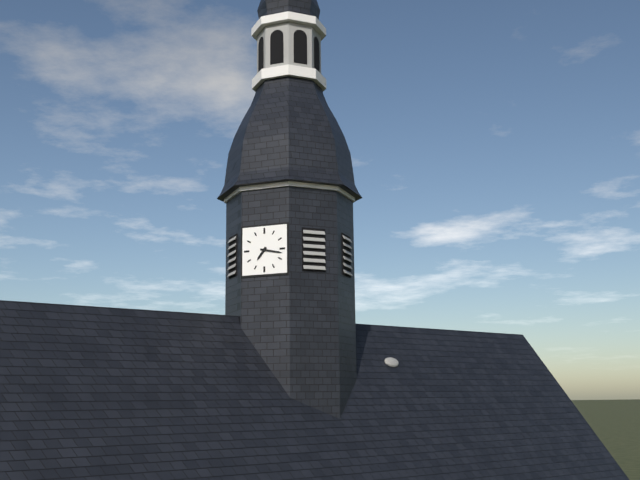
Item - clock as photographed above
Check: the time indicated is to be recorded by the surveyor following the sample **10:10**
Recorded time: **7:17**
